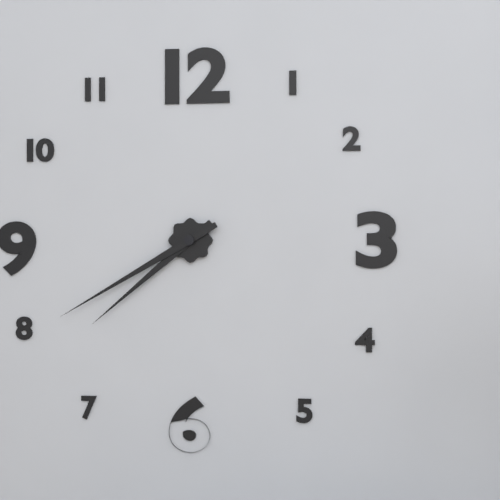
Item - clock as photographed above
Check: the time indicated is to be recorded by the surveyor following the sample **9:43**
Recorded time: **7:40**
